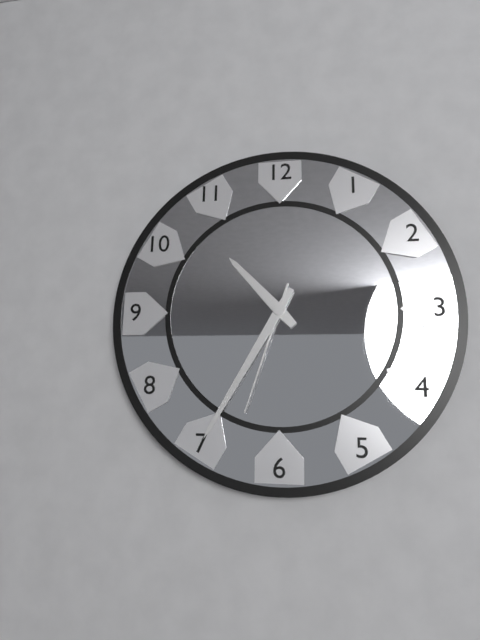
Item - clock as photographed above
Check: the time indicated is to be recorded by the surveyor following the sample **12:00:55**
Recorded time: **10:35:33**
